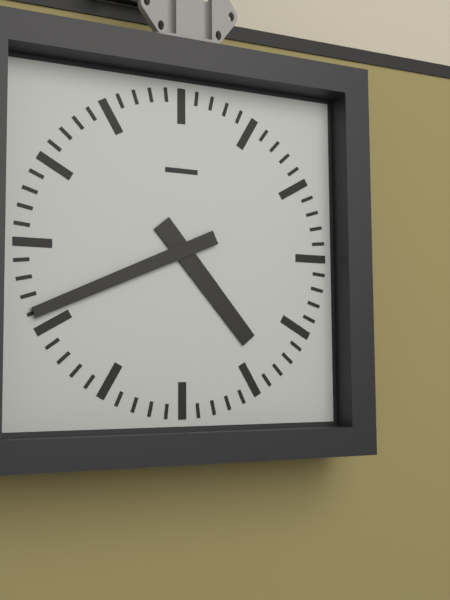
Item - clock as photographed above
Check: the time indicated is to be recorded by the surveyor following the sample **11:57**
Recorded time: **4:41**
